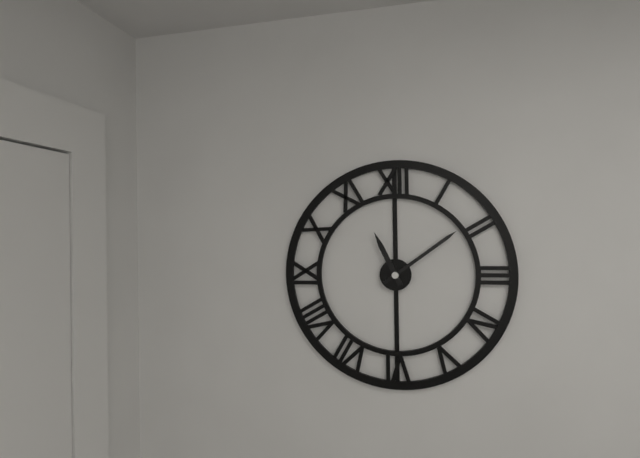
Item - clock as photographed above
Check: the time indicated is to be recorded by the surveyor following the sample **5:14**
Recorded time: **11:09**
